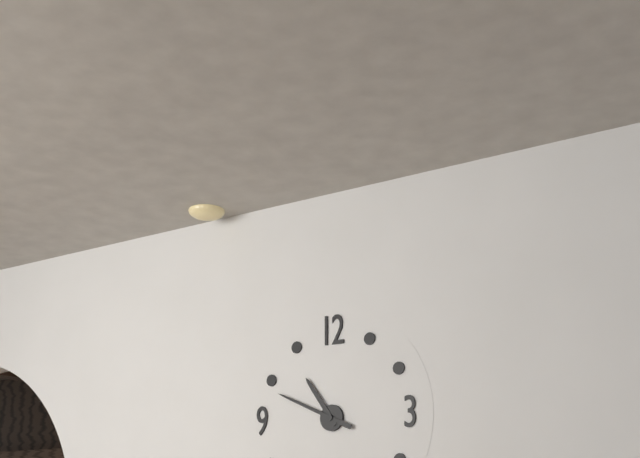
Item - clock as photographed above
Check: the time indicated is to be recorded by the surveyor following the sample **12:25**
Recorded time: **10:49**
